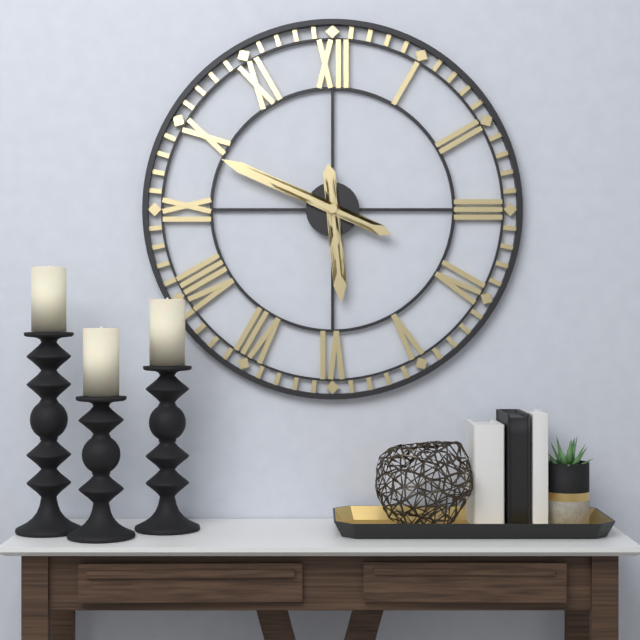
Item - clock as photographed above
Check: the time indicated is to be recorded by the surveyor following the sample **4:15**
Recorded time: **5:49**
